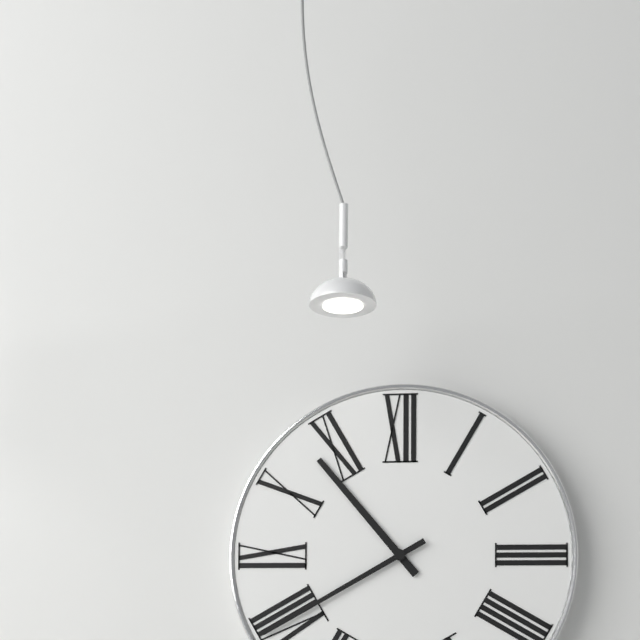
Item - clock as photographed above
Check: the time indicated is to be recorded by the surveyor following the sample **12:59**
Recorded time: **10:40**
